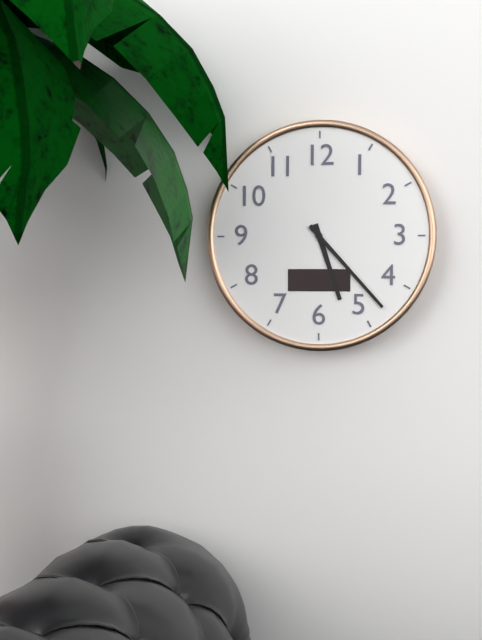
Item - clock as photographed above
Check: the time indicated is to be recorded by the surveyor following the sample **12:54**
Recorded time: **5:23**
